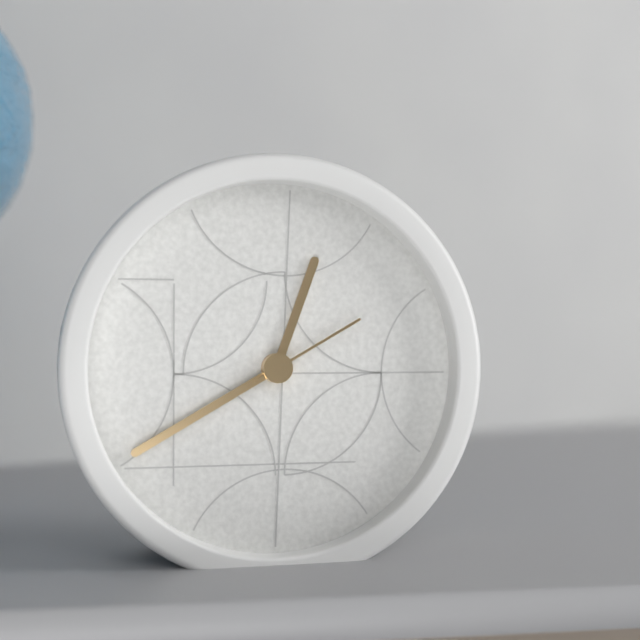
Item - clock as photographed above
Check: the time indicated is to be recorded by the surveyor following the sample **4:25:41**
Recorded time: **12:40:10**
